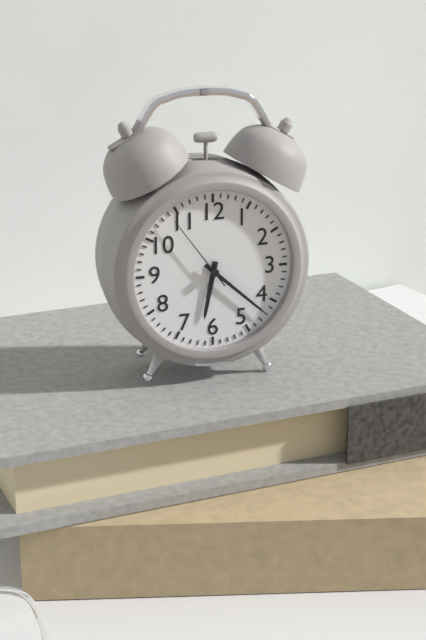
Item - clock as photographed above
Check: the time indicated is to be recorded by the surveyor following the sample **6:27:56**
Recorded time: **6:22:54**
